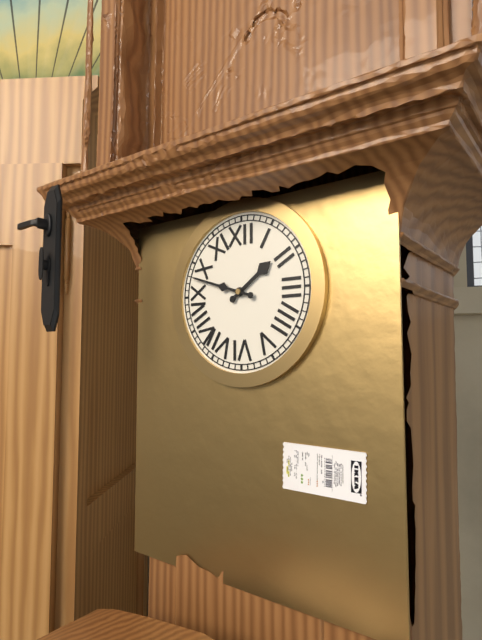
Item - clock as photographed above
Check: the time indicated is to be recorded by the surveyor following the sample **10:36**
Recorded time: **1:48**
